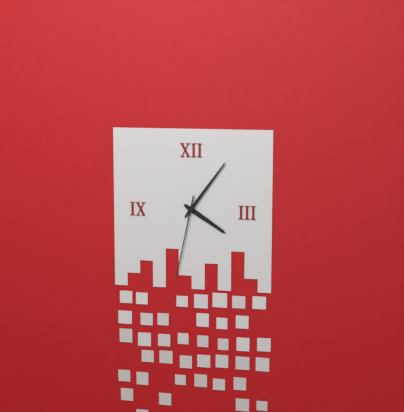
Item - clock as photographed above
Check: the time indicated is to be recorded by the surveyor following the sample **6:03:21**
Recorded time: **4:06:32**
